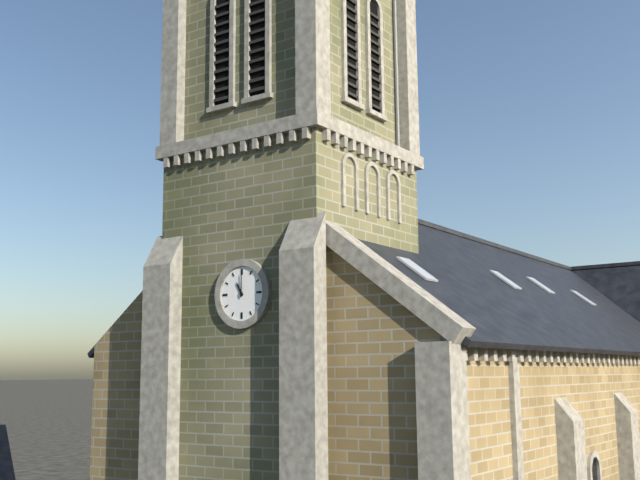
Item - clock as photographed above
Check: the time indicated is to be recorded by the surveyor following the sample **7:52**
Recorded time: **11:00**
